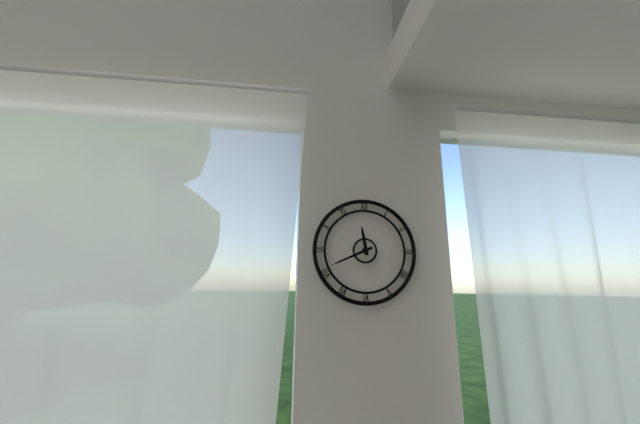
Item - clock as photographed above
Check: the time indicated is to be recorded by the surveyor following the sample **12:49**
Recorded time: **11:41**
